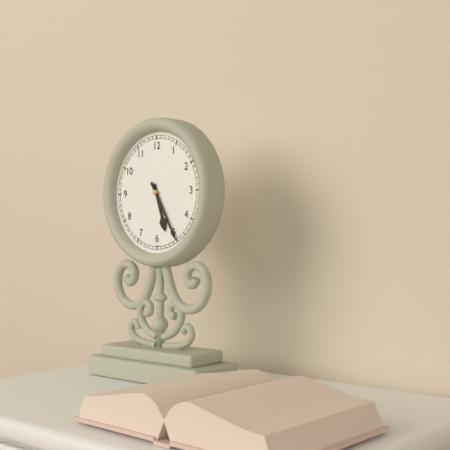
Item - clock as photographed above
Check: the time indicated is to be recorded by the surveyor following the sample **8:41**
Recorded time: **5:25**
